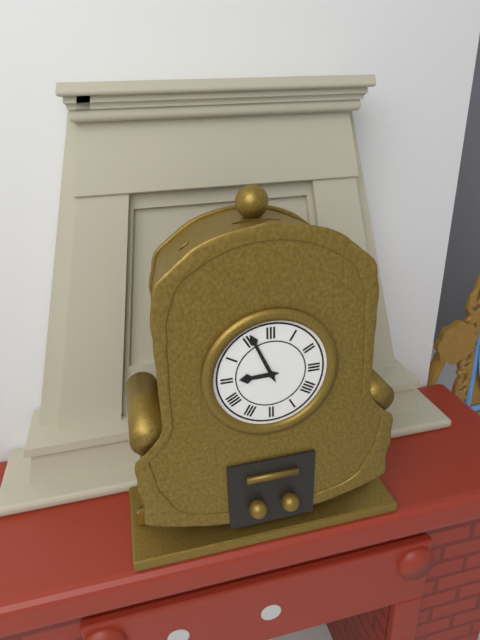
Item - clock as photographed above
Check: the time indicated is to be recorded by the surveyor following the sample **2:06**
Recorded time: **8:56**
